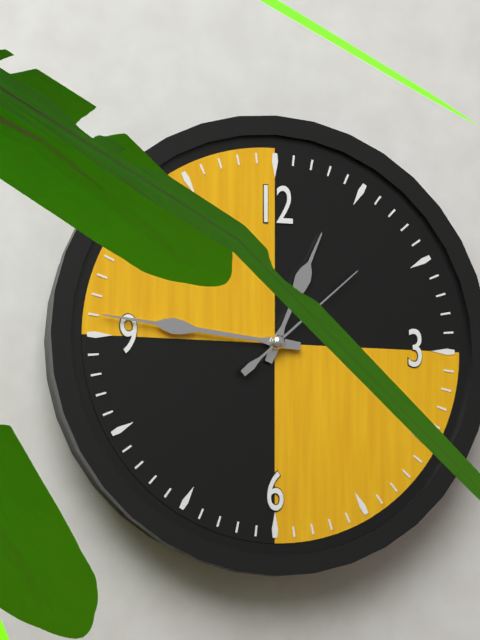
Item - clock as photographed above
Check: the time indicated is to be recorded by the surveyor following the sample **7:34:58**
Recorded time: **12:46:08**
